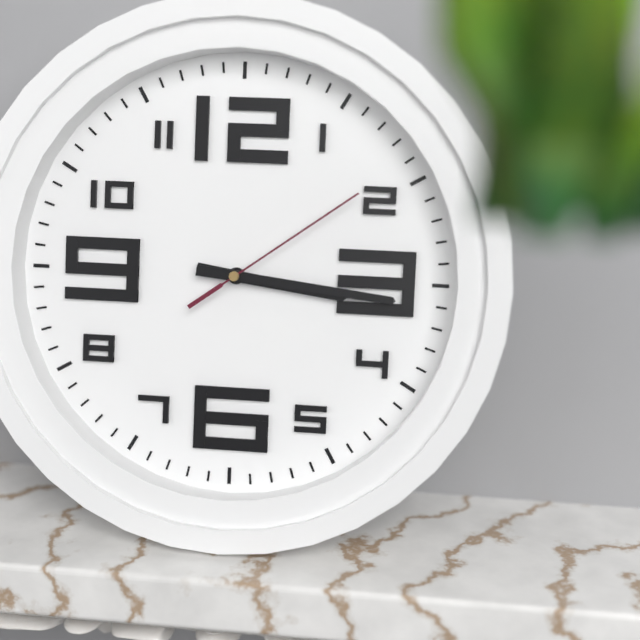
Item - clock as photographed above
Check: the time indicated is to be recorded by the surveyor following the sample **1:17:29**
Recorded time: **3:16:09**
